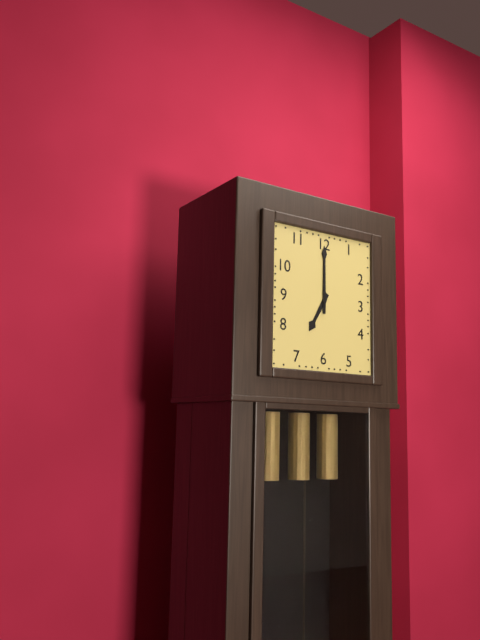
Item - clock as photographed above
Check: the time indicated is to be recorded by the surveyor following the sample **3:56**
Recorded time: **7:00**
